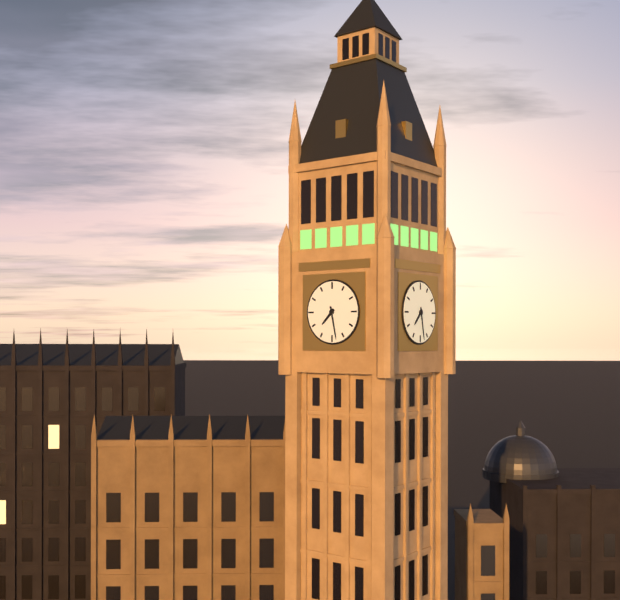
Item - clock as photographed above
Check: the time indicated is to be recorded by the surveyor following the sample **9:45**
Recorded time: **7:28**
